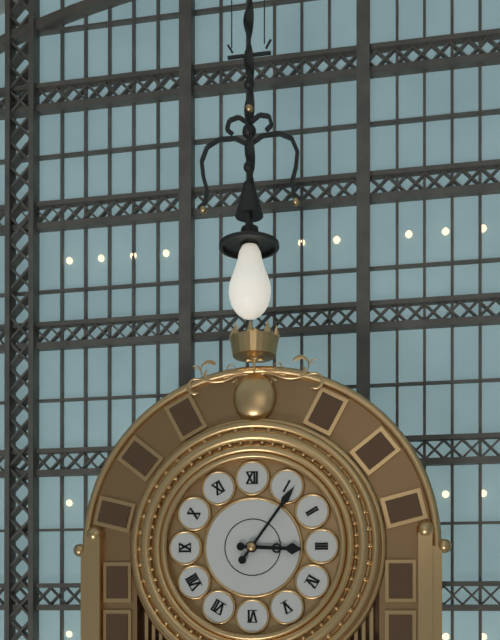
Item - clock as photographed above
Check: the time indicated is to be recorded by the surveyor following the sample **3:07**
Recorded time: **3:06**
